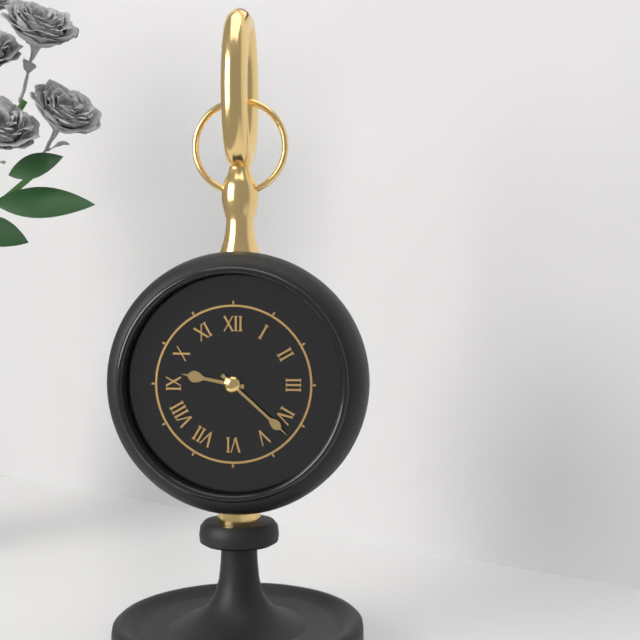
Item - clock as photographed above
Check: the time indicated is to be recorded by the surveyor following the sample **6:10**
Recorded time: **9:22**
